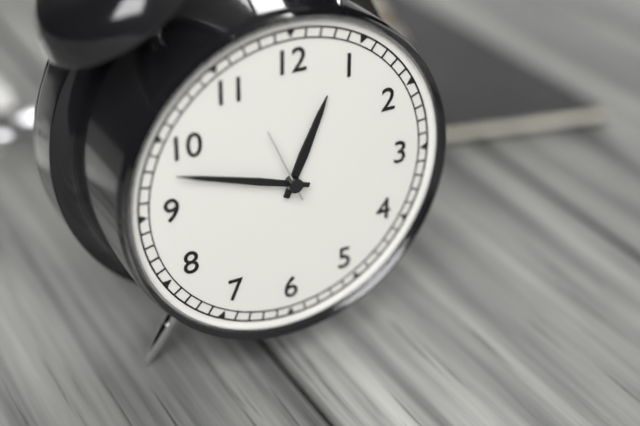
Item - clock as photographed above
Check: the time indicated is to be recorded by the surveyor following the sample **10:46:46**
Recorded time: **12:48:56**
